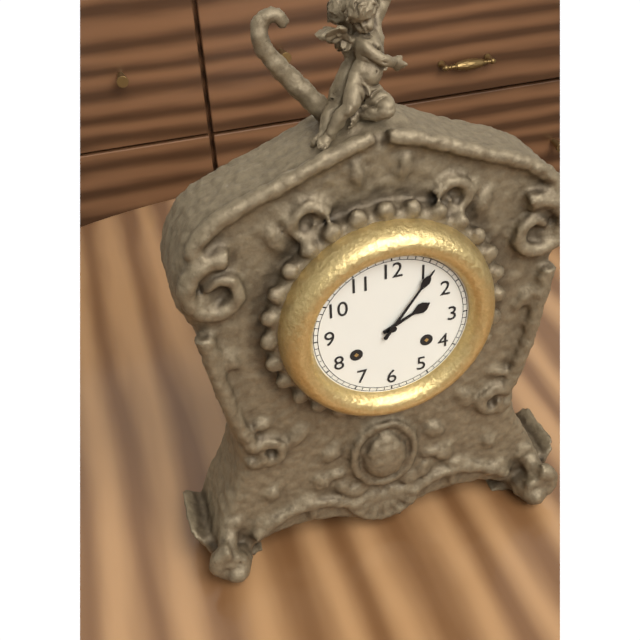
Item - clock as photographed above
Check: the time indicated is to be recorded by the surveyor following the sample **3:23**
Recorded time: **2:06**
